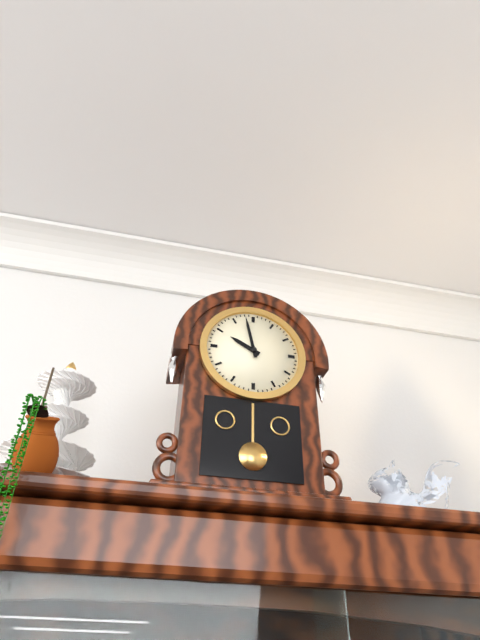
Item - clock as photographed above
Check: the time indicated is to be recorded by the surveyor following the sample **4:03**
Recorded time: **9:58**
